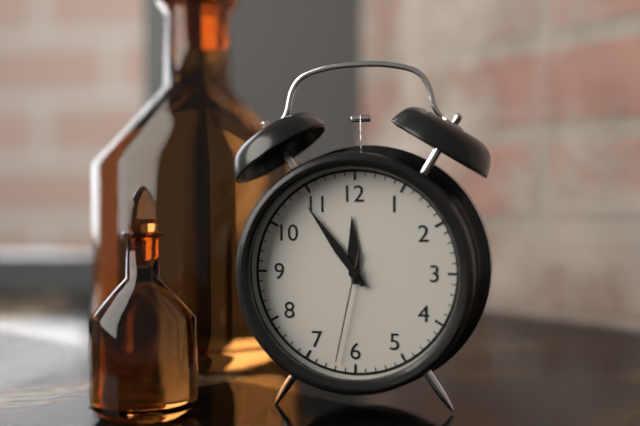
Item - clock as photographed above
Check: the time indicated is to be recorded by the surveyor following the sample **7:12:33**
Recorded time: **11:54:32**
